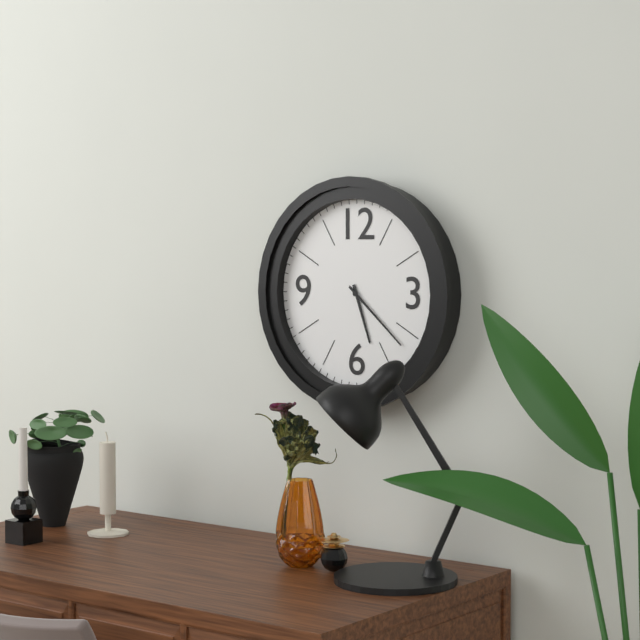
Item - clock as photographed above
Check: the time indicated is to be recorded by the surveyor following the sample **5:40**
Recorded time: **5:22**
